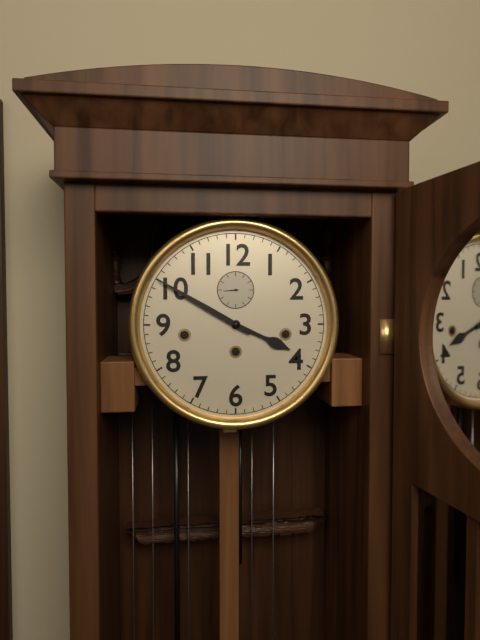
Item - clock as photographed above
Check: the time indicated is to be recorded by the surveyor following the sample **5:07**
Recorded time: **3:50**
